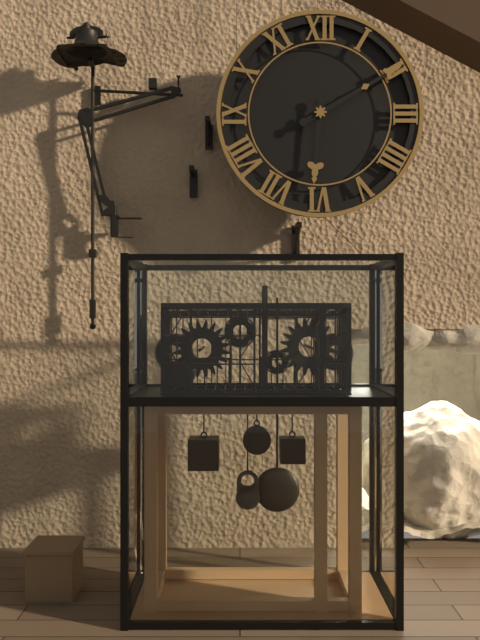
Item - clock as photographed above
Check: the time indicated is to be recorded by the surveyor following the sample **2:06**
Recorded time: **6:10**
